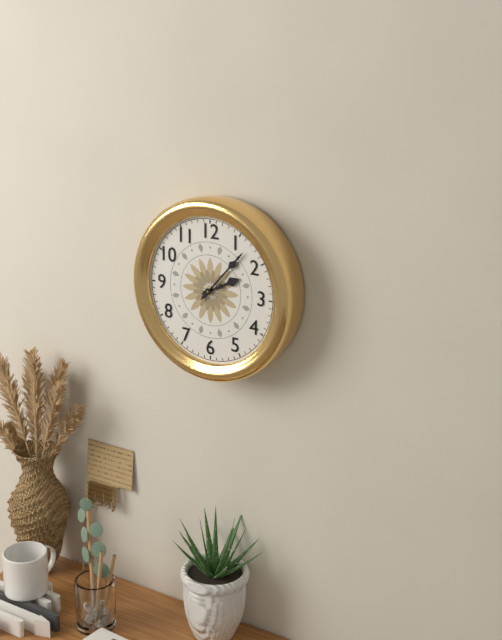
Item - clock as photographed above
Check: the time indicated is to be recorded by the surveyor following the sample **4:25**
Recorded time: **2:07**
